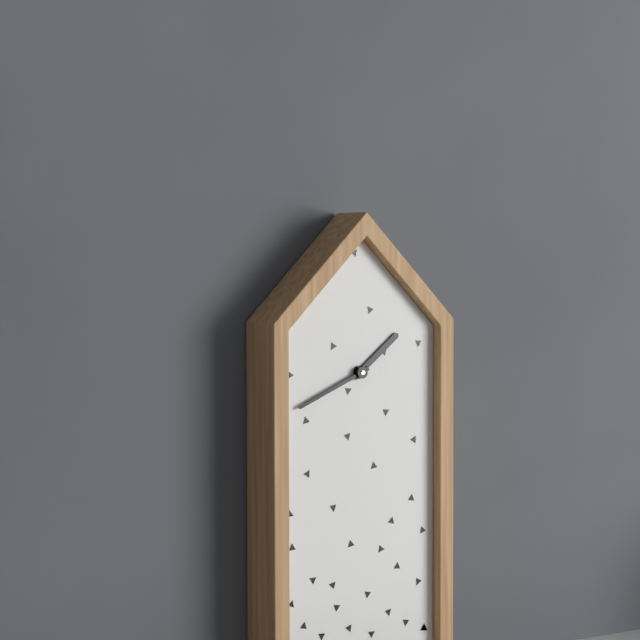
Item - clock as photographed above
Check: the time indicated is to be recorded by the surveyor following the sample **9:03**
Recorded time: **1:41**
